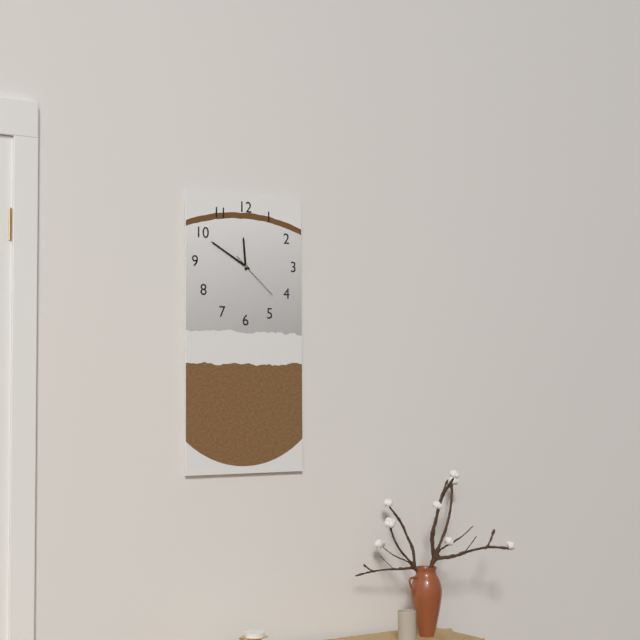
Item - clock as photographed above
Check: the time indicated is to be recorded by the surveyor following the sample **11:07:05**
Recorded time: **11:50:22**
